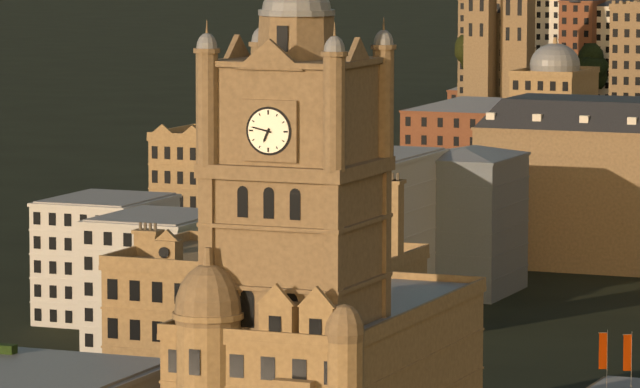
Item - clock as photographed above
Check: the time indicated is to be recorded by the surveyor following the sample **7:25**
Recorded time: **6:47**
